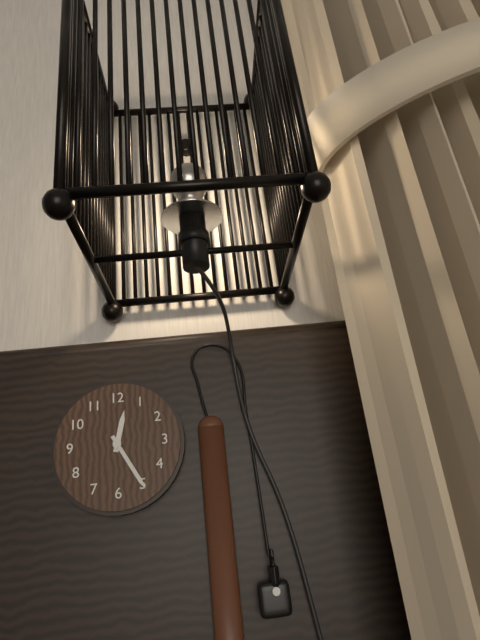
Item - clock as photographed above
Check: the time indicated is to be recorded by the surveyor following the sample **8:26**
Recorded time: **12:25**
